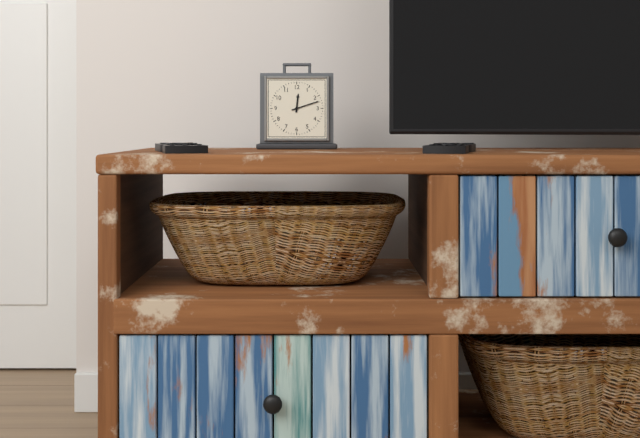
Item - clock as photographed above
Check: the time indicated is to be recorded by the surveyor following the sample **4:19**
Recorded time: **12:12**
